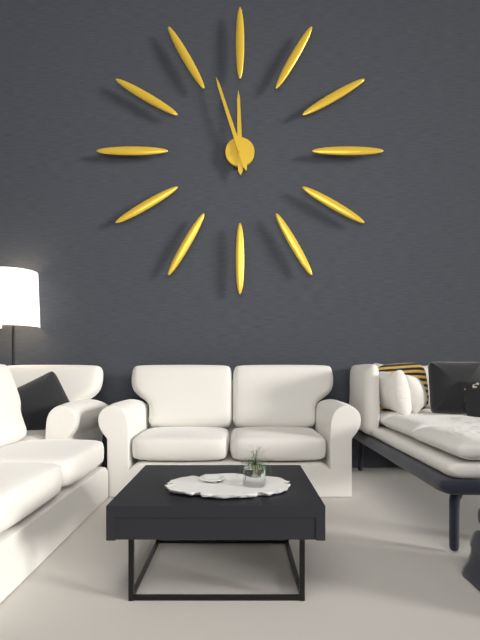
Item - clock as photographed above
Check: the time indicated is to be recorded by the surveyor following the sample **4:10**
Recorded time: **11:57**
